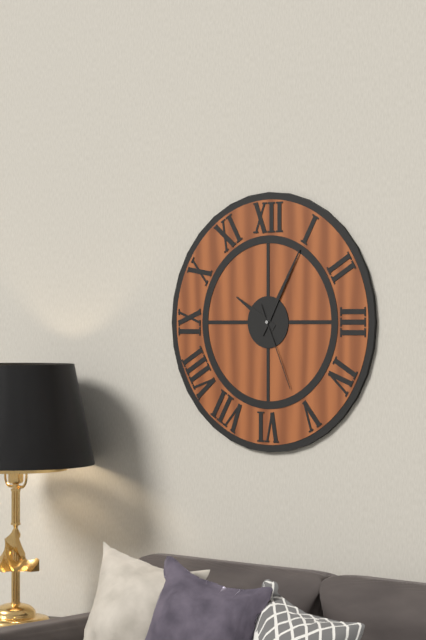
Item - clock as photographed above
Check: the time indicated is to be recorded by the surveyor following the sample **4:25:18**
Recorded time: **10:05:26**
